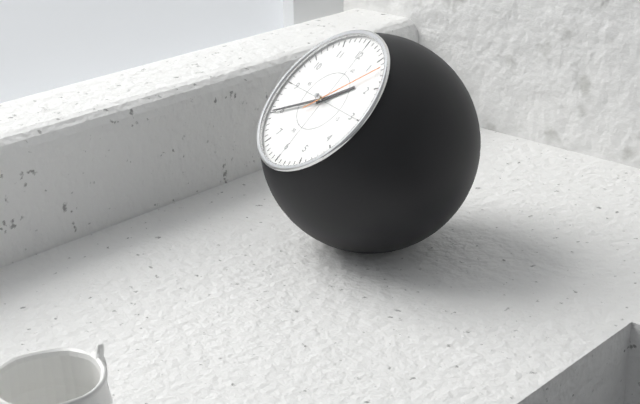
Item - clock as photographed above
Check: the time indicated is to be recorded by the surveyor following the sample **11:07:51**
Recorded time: **1:40:07**
